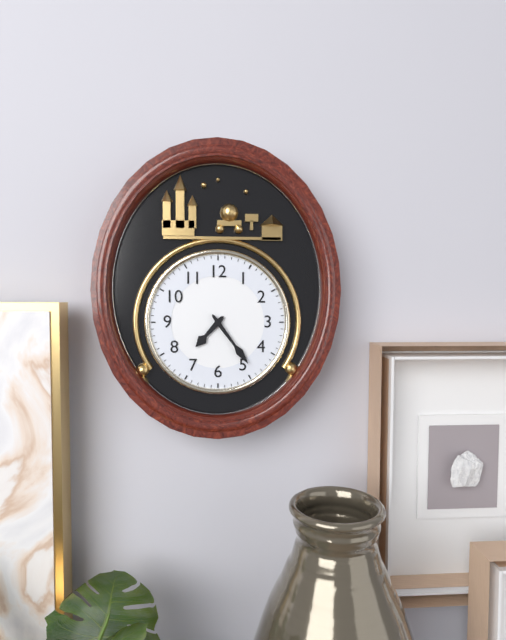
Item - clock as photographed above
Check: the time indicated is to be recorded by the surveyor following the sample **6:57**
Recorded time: **7:24**
